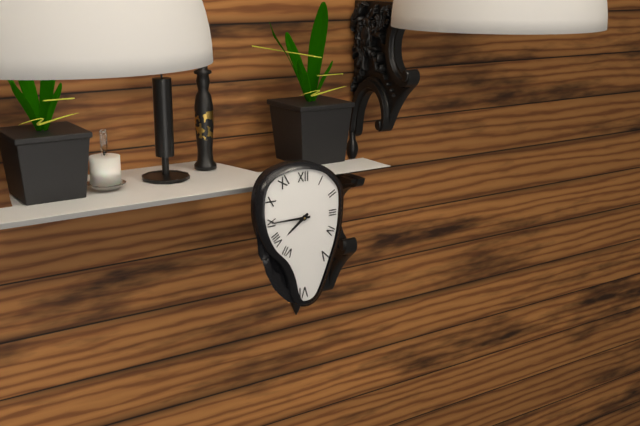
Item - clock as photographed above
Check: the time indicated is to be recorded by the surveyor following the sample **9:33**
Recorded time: **7:45**
